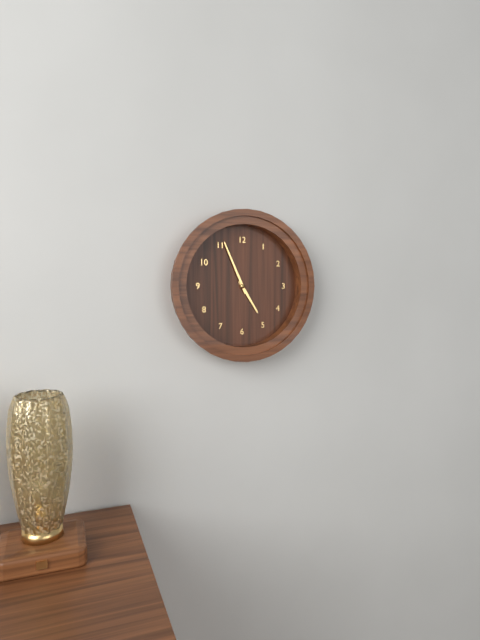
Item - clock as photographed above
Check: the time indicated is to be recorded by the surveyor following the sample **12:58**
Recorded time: **4:56**
